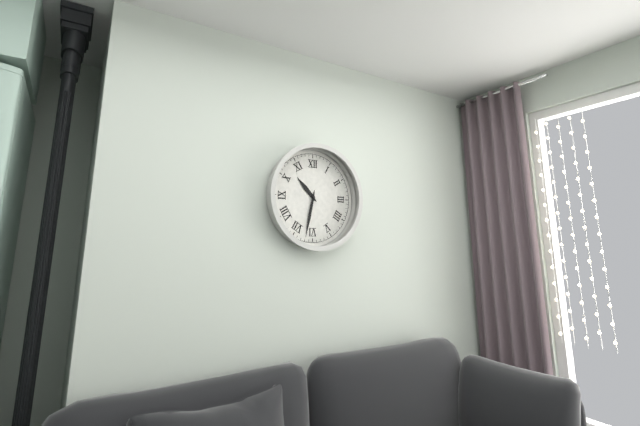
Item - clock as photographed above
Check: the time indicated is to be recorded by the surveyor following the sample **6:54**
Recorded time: **10:32**
